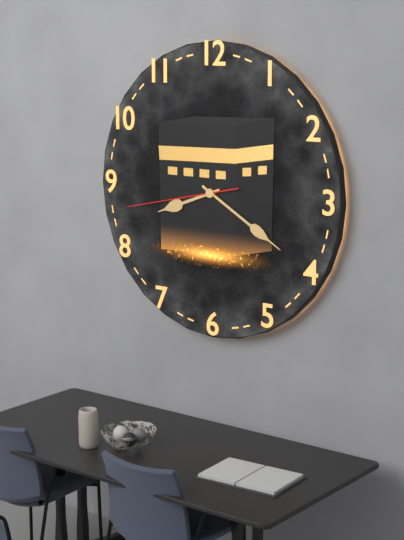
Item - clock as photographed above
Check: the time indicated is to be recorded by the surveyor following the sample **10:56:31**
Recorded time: **8:20:43**
